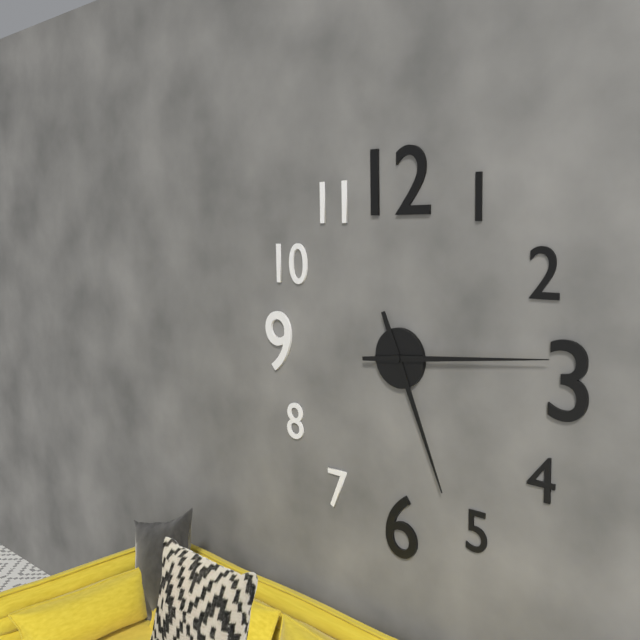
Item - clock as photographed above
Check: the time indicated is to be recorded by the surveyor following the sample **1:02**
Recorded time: **5:14**
